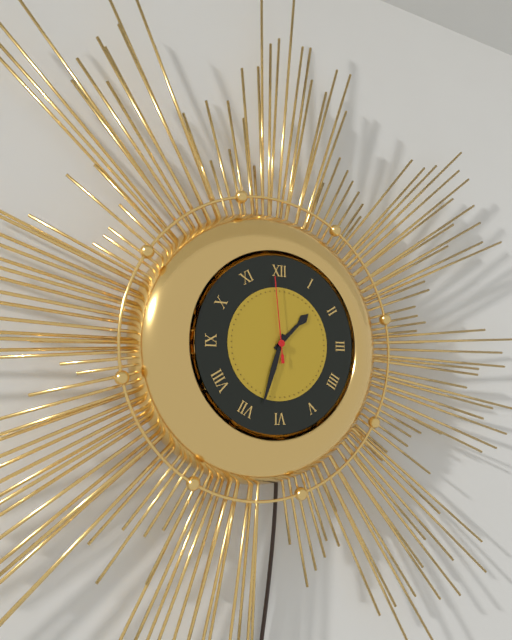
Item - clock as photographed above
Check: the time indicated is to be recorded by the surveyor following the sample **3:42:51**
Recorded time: **1:33:59**
